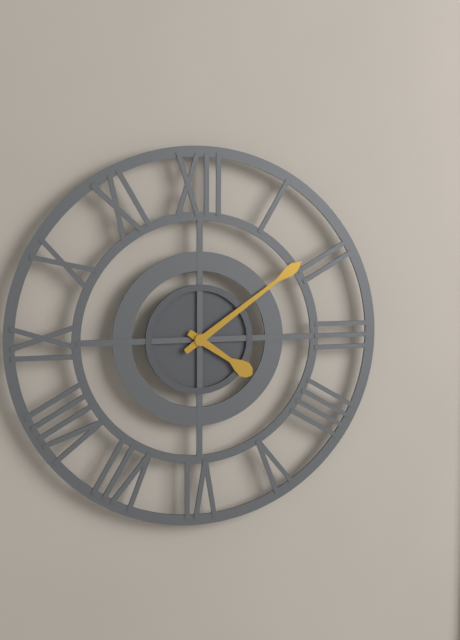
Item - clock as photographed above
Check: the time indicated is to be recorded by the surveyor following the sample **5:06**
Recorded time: **4:09**
